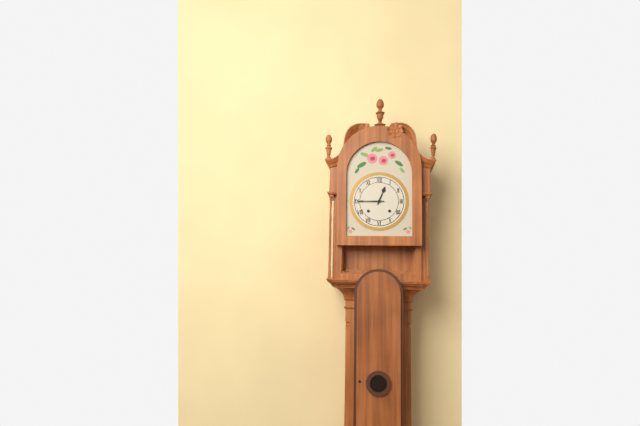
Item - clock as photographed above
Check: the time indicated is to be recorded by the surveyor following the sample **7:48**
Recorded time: **12:45**
